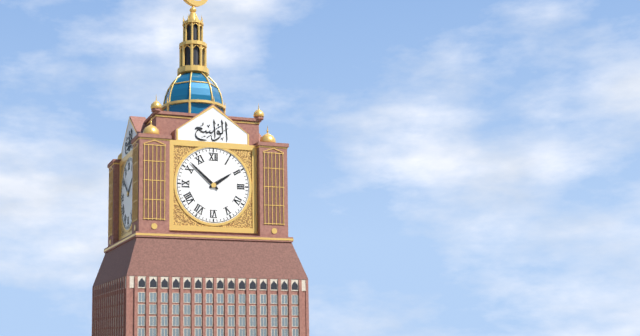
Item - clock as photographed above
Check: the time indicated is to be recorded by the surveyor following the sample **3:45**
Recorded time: **1:52**
